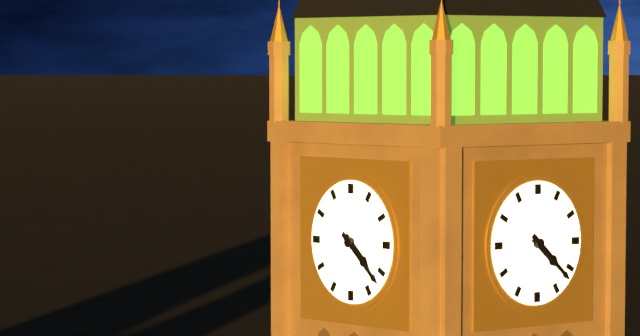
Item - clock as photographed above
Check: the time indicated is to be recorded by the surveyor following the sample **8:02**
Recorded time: **4:22**
